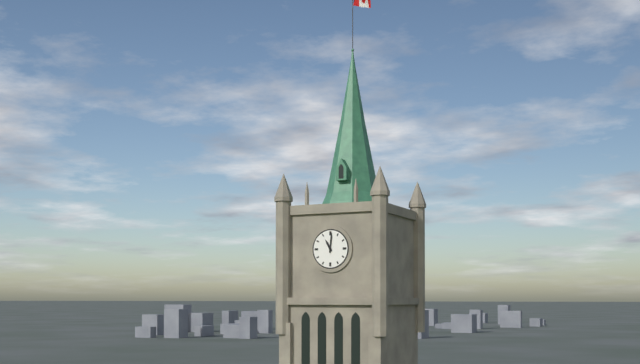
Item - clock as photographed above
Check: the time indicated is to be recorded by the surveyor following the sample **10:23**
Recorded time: **11:01**
